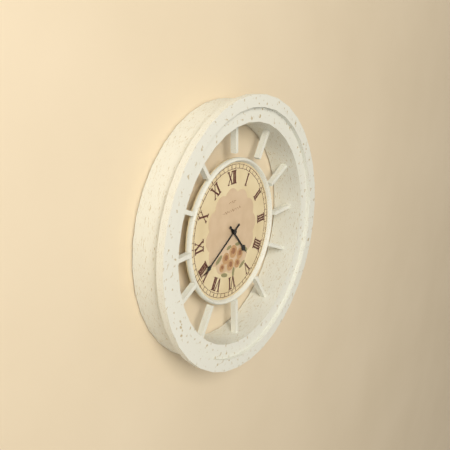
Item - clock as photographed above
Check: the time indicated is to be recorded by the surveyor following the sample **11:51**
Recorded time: **4:40**
